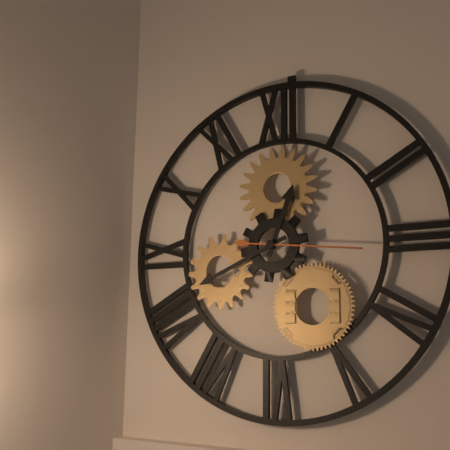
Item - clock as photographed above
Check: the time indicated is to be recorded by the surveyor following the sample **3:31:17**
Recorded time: **12:41:16**
